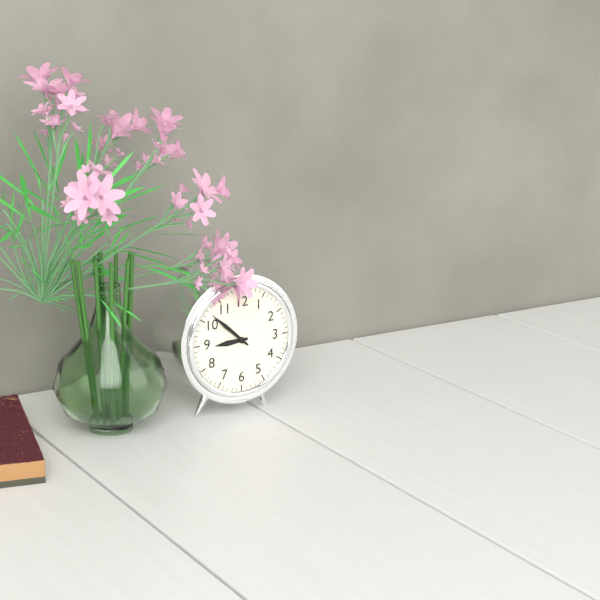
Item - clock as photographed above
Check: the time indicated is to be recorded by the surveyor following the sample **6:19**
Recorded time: **8:52**
